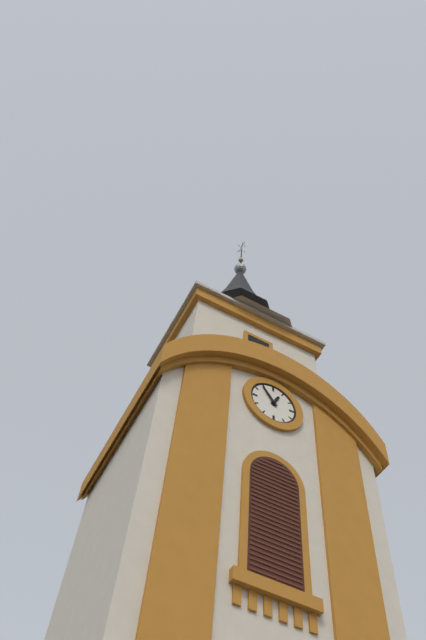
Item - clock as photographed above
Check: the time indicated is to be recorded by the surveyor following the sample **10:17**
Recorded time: **12:54**
